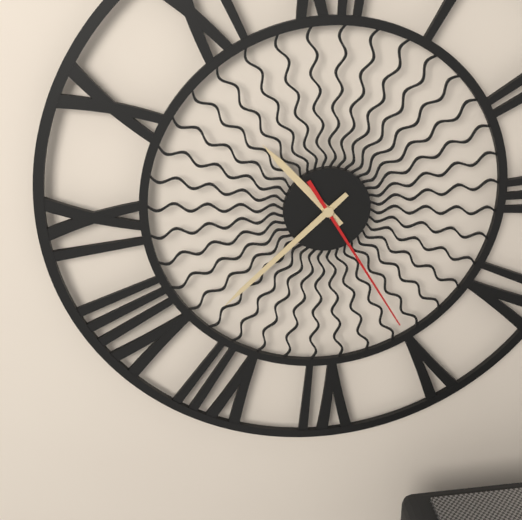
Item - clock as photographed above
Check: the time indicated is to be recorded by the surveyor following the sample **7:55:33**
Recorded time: **10:38:25**
